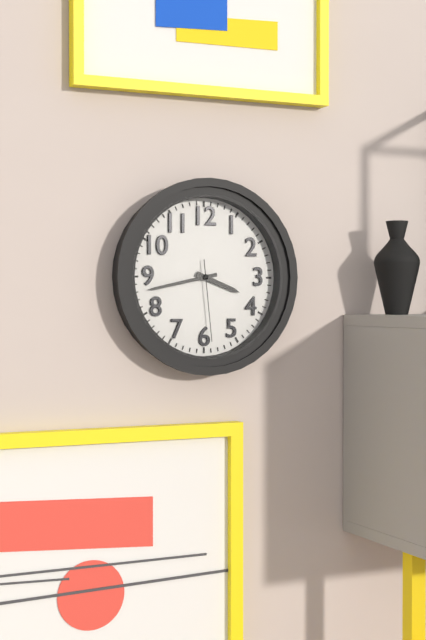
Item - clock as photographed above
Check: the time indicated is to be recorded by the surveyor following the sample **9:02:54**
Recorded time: **3:43:29**
